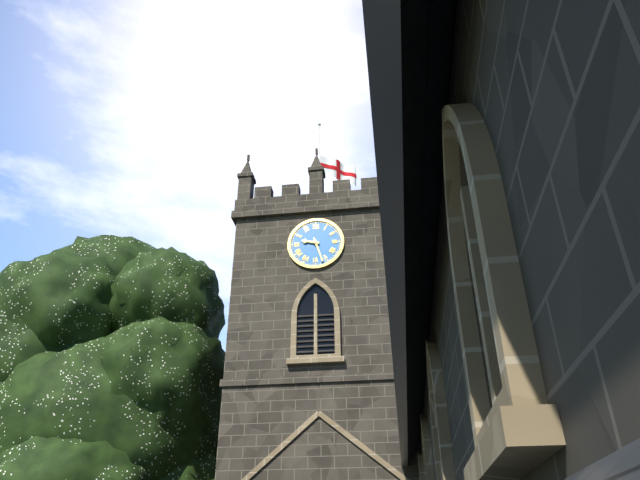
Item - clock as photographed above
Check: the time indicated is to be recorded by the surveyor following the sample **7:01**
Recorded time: **9:27**
